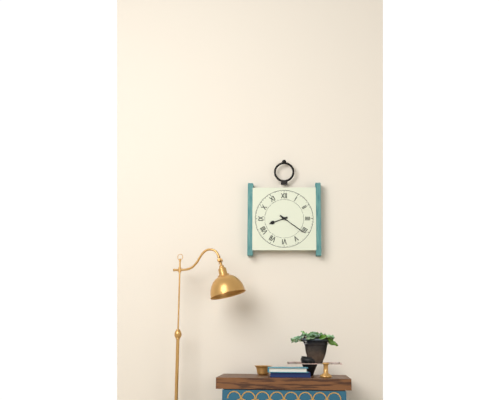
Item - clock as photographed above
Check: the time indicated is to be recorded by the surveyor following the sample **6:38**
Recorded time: **8:21**
